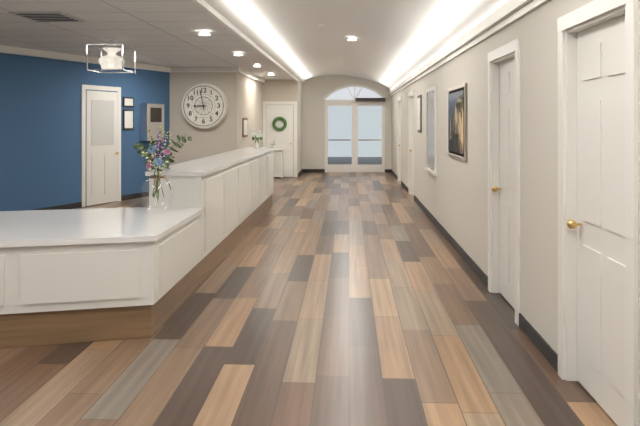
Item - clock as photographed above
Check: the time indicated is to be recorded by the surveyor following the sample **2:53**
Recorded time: **8:58**
